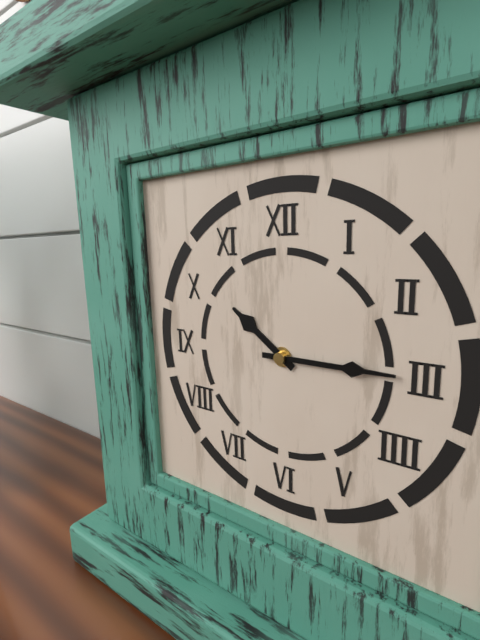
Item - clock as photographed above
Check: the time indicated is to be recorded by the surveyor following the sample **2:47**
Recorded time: **10:15**
